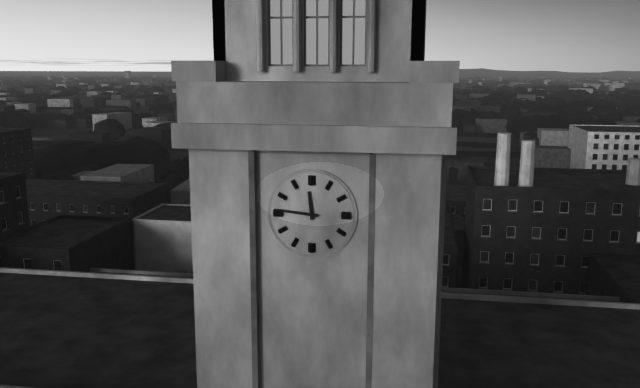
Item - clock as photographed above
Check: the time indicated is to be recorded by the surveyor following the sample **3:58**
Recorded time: **11:46**
